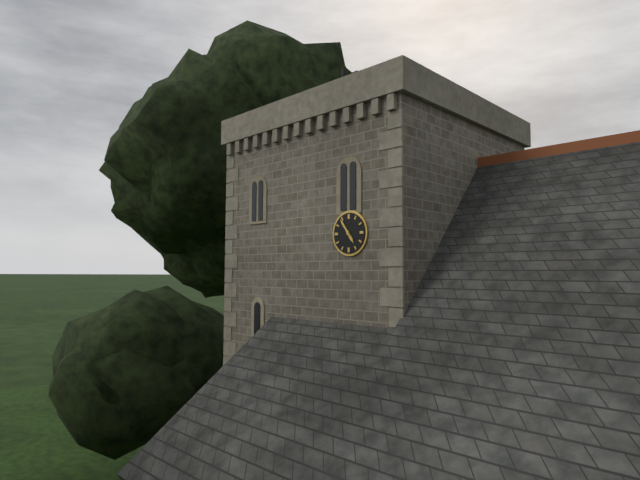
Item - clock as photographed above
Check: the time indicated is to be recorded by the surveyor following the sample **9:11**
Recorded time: **4:54**
